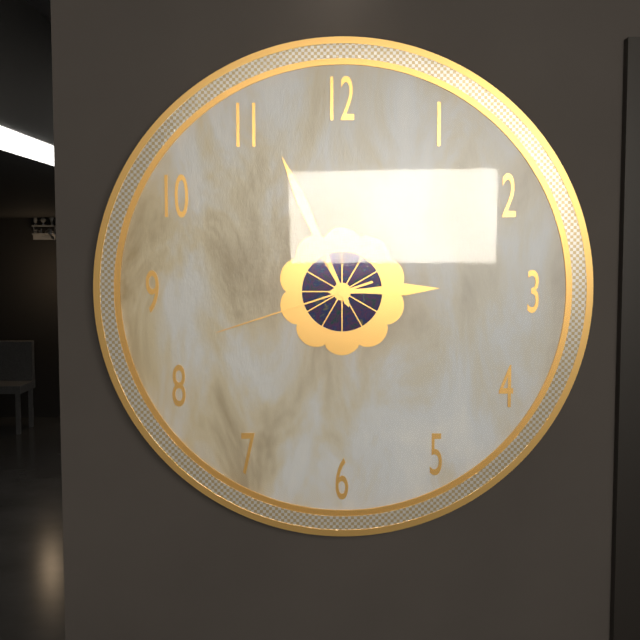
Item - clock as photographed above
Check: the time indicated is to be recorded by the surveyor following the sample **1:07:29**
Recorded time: **2:56:42**
